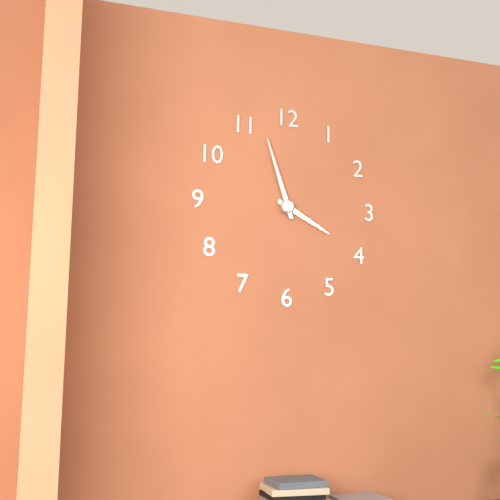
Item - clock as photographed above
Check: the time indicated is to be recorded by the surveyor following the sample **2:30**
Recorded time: **3:57**
